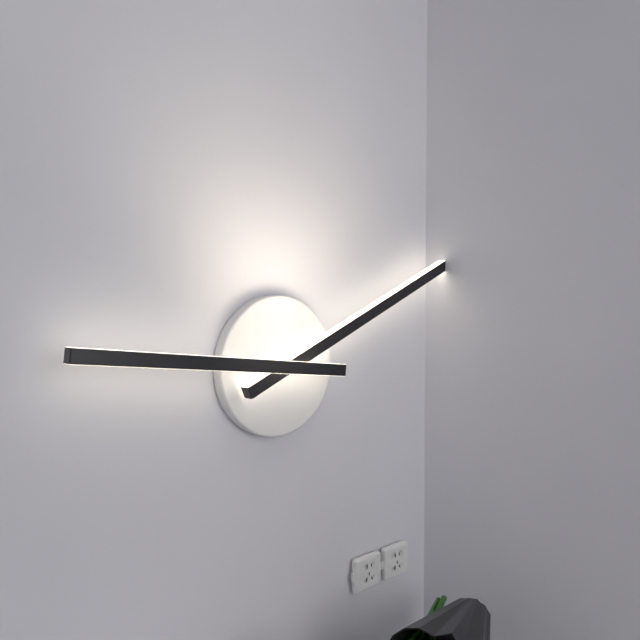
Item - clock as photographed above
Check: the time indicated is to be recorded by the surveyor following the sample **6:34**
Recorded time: **9:11**
